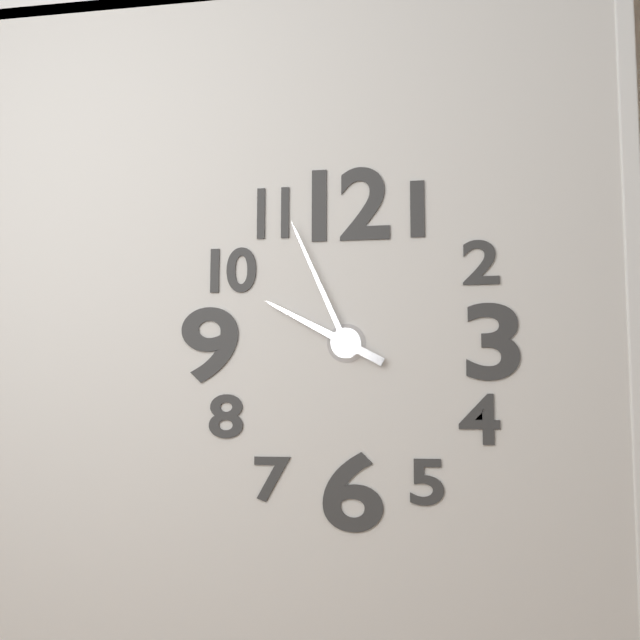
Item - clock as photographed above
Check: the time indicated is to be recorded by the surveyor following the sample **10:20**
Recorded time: **9:56**
